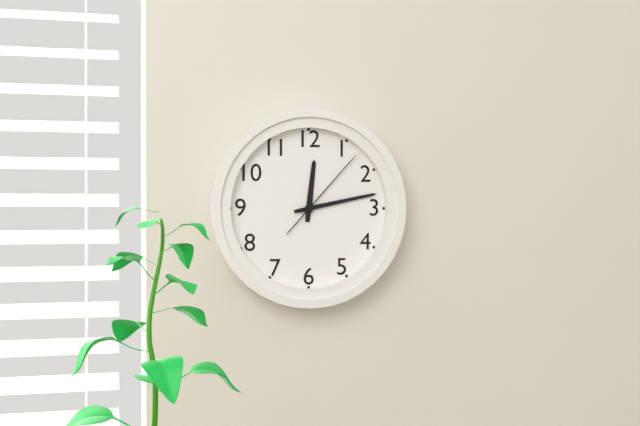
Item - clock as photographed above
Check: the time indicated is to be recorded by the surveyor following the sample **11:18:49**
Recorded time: **12:13:07**
